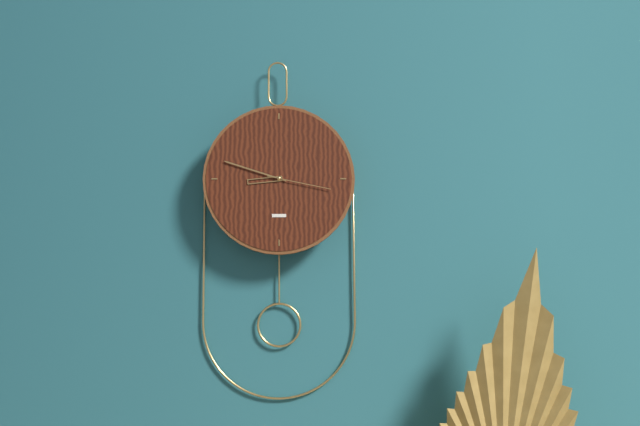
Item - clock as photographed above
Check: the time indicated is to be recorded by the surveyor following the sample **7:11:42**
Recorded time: **8:48:17**
